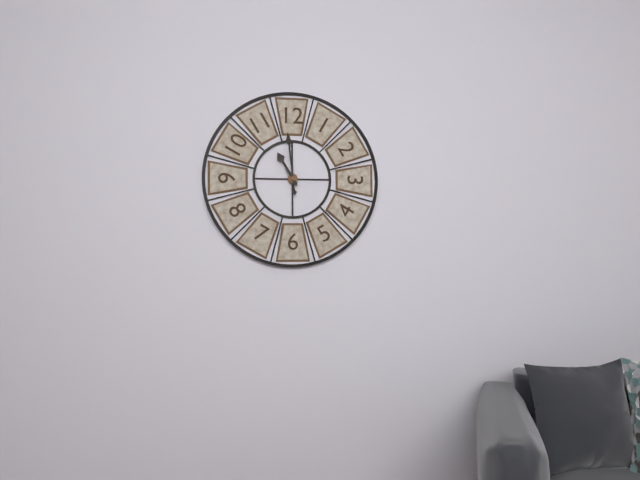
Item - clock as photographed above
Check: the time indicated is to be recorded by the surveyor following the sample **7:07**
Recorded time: **10:59**
